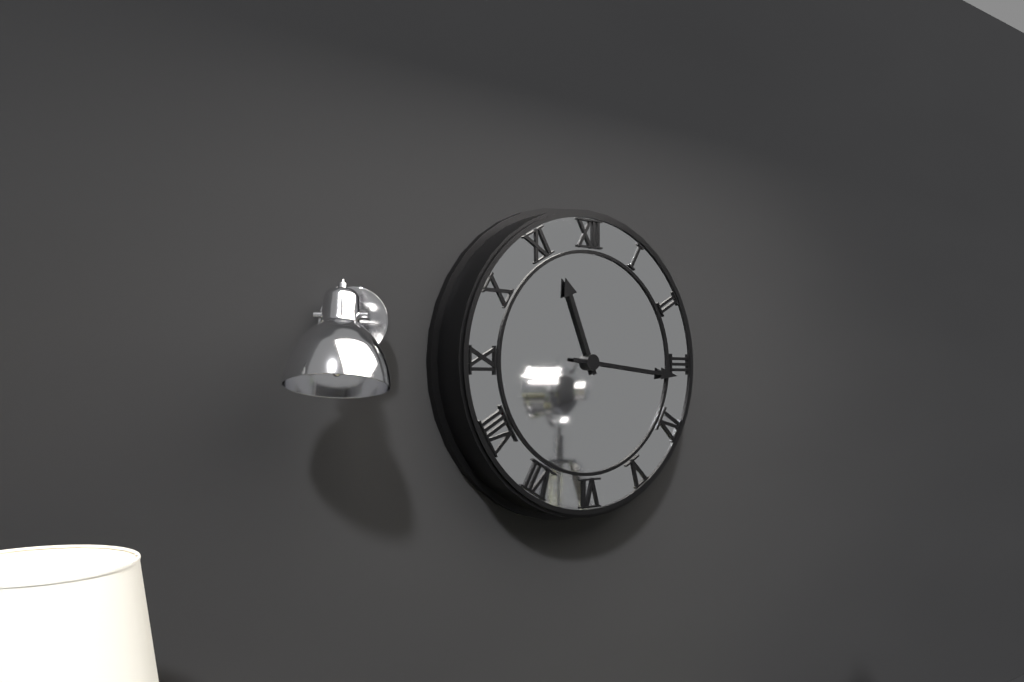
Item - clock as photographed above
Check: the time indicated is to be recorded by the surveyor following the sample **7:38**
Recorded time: **11:16**
